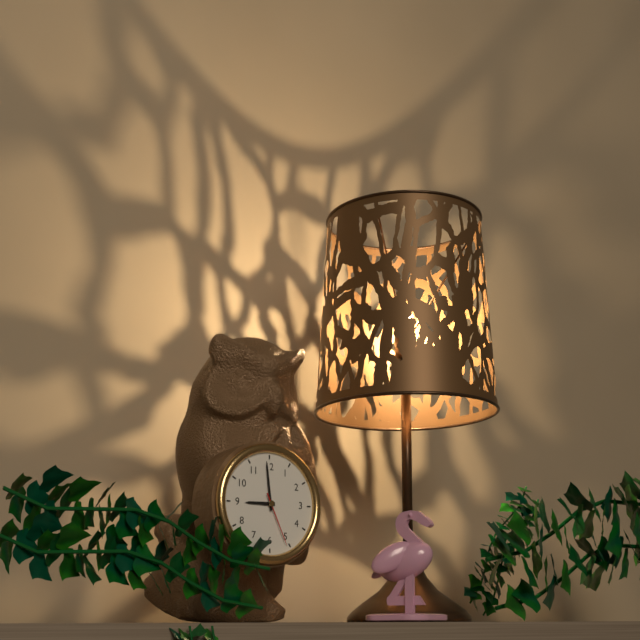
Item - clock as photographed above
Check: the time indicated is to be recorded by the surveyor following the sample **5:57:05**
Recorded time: **8:59:26**
